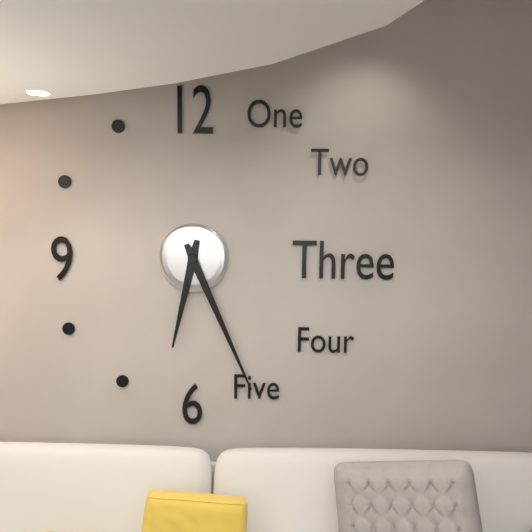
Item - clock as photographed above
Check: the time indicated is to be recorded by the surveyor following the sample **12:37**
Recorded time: **6:26**
